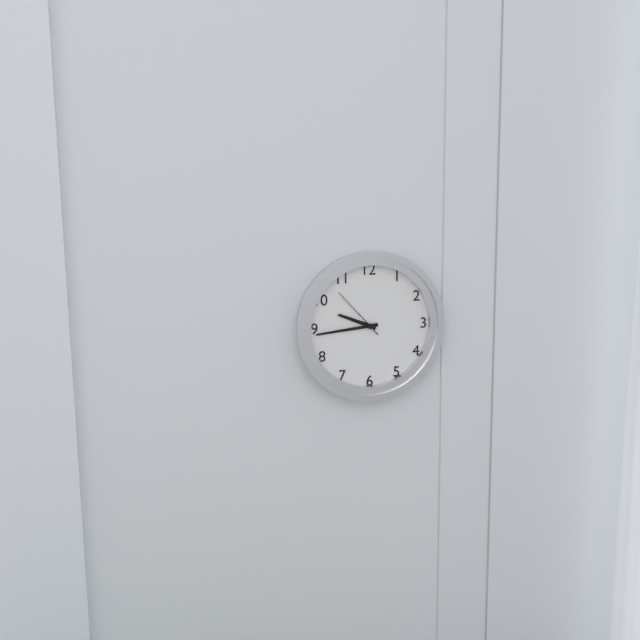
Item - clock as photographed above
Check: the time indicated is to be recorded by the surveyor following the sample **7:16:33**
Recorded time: **9:44:53**
